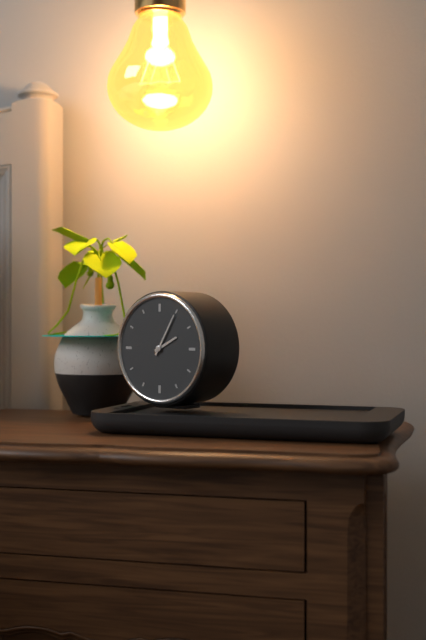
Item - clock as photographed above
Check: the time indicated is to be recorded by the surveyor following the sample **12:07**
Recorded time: **2:05**
